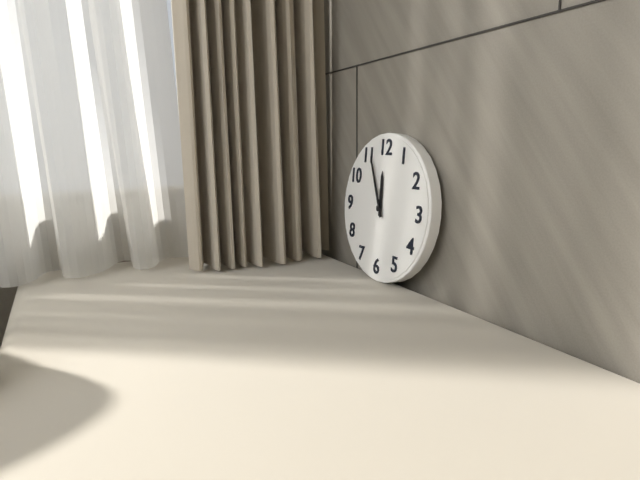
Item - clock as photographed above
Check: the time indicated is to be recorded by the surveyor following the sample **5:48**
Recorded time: **11:56**
